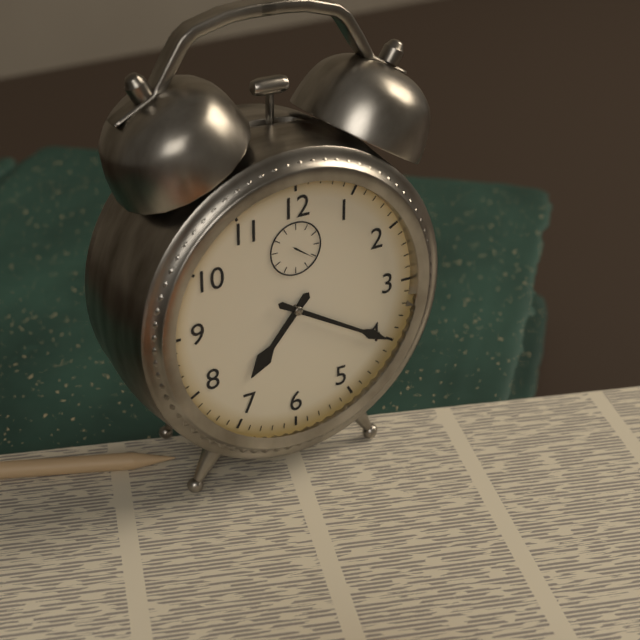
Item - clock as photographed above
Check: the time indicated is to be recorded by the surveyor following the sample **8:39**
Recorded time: **7:20**
